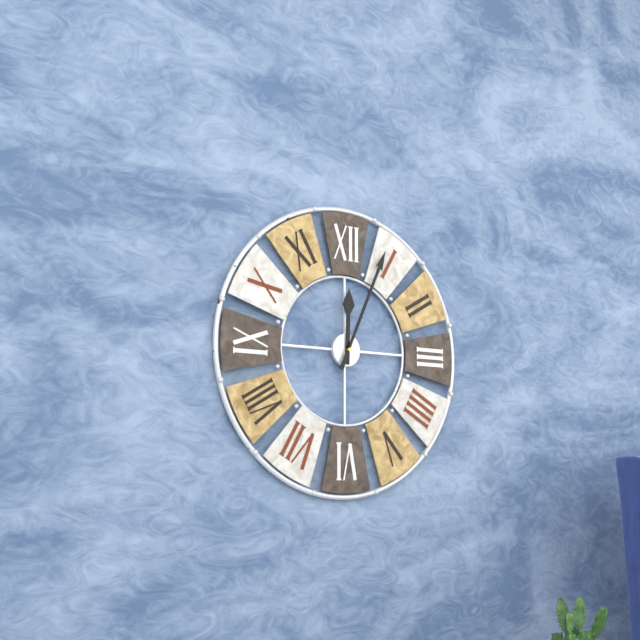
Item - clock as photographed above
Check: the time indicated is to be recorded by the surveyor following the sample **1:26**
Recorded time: **12:04**
